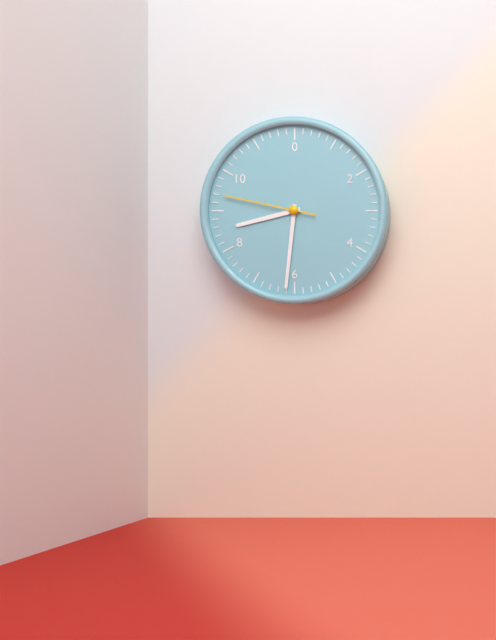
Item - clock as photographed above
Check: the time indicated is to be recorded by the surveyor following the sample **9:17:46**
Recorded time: **8:31:47**
